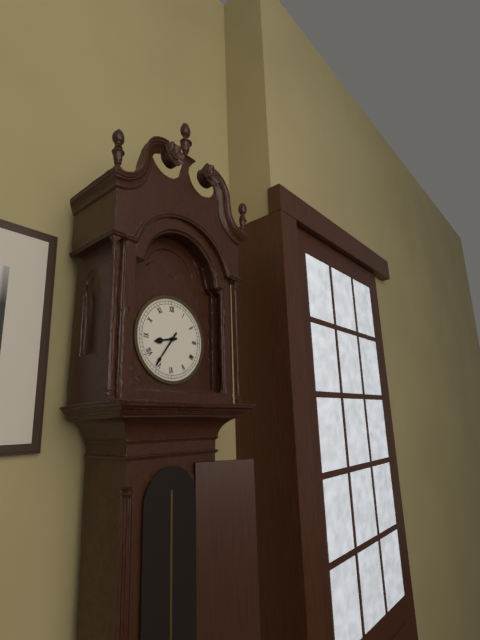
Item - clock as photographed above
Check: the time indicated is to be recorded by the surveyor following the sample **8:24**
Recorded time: **8:36**
